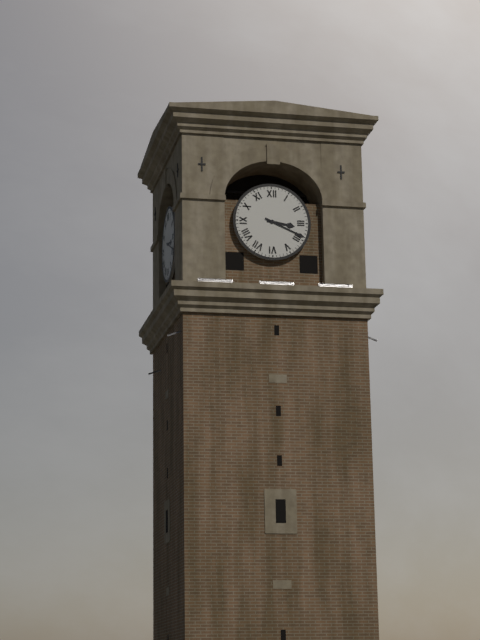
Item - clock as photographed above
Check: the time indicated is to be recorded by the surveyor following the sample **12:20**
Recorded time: **3:19**
